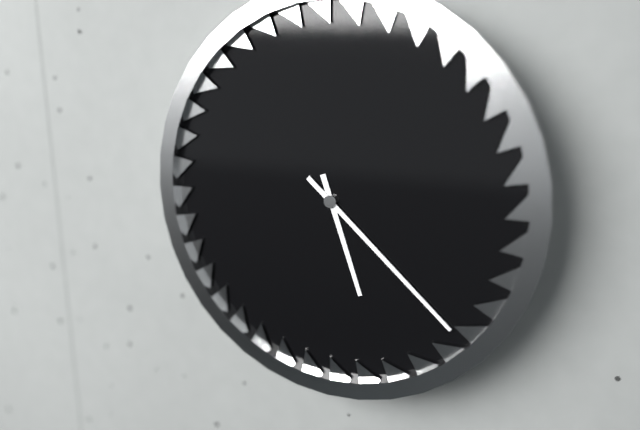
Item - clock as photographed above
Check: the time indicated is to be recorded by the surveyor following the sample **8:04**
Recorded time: **5:22**
